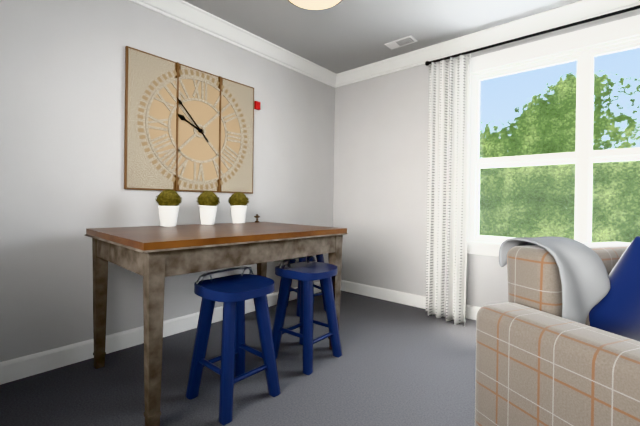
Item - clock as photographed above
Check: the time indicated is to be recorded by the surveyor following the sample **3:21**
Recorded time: **9:53**
